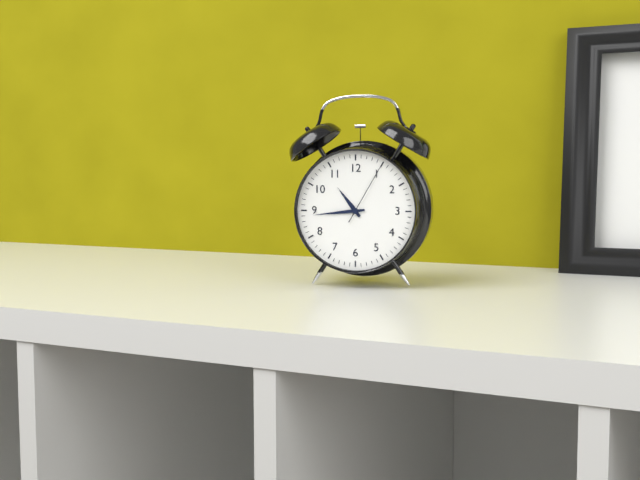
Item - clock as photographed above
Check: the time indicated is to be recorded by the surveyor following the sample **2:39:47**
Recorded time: **10:44:05**
